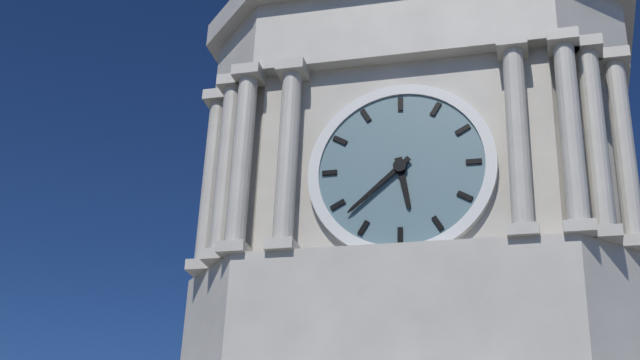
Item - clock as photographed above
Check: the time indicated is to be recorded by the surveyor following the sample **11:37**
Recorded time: **5:38**
